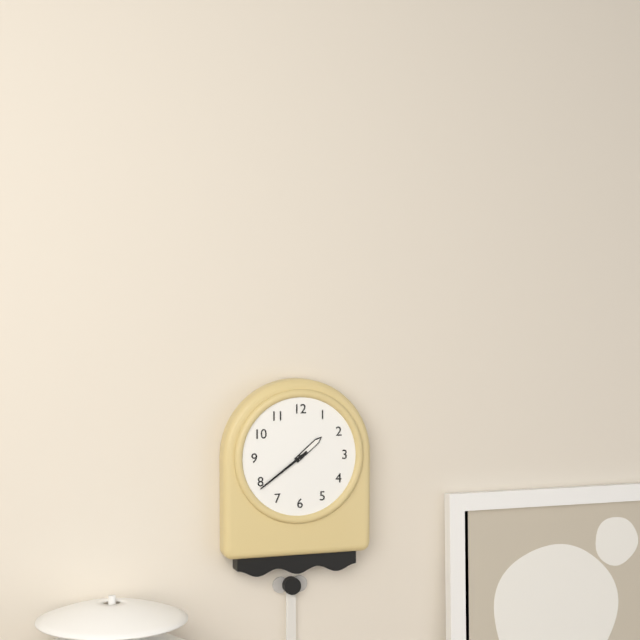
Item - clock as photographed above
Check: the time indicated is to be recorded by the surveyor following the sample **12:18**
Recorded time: **1:39**
